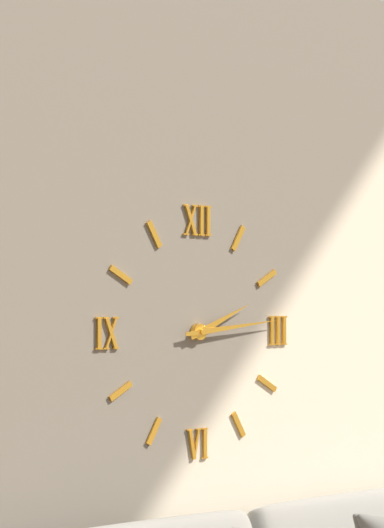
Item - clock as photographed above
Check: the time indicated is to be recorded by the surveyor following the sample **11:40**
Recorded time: **2:14**
